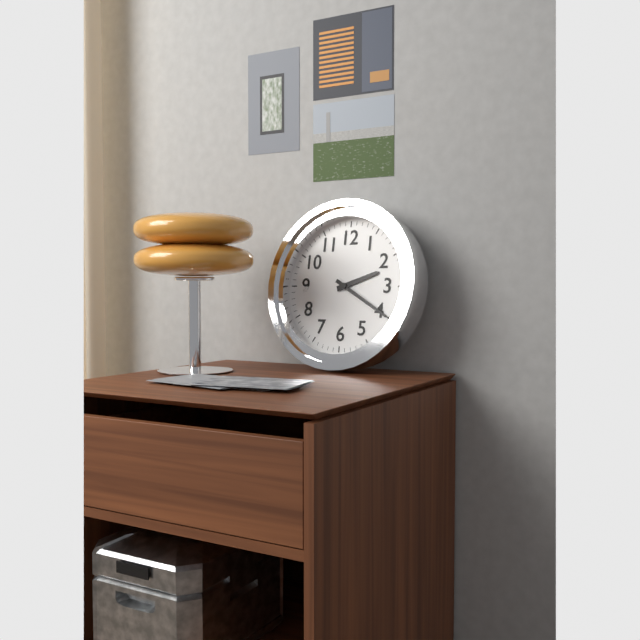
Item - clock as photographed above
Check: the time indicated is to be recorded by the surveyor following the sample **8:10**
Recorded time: **2:20**
